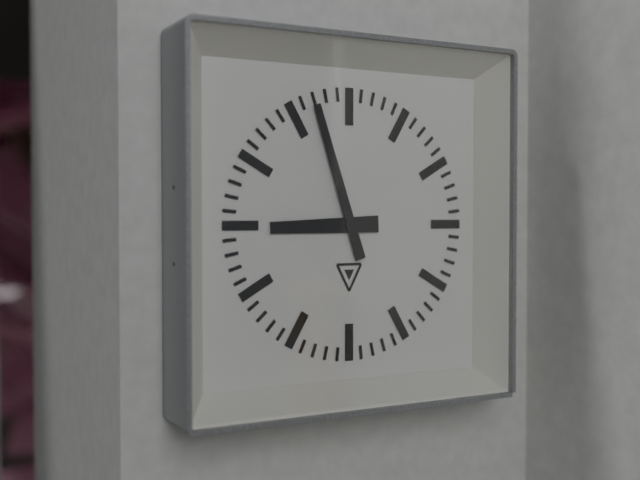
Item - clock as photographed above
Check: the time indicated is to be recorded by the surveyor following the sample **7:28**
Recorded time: **8:57**
